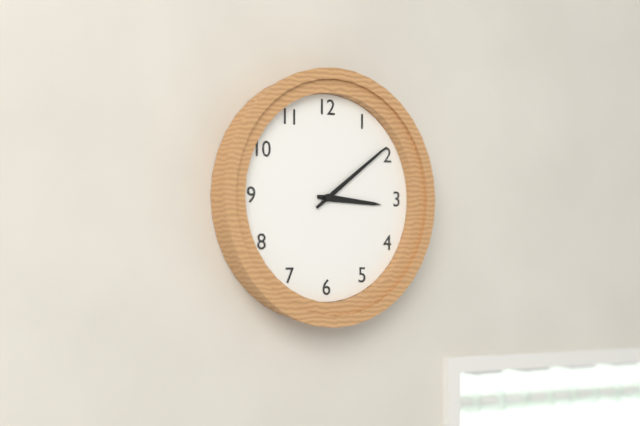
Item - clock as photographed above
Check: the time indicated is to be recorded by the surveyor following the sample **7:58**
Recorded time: **3:09**
